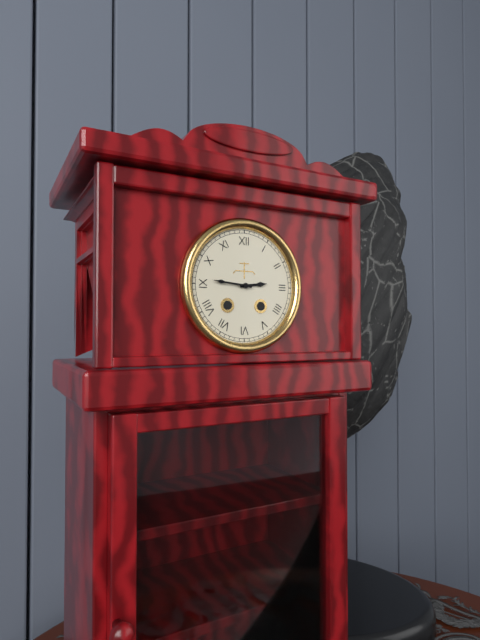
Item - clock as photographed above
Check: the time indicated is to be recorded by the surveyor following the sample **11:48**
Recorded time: **2:46**
